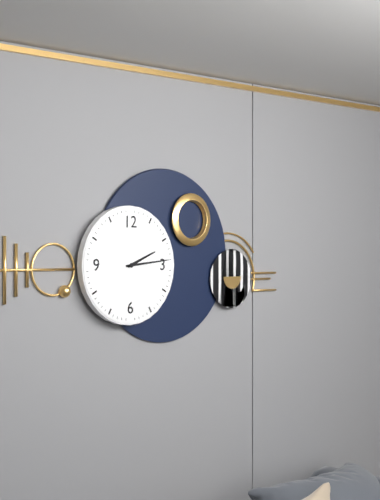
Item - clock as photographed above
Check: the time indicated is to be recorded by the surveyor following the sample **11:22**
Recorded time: **2:14**
